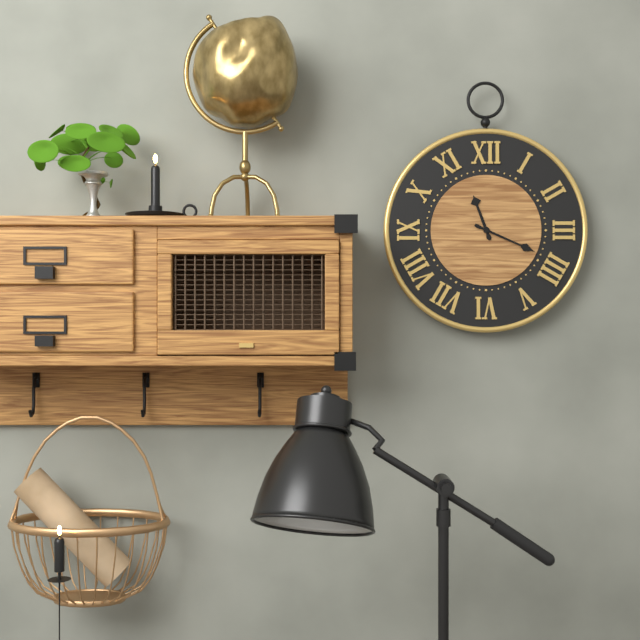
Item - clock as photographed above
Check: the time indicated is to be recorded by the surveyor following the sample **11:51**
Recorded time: **11:19**
